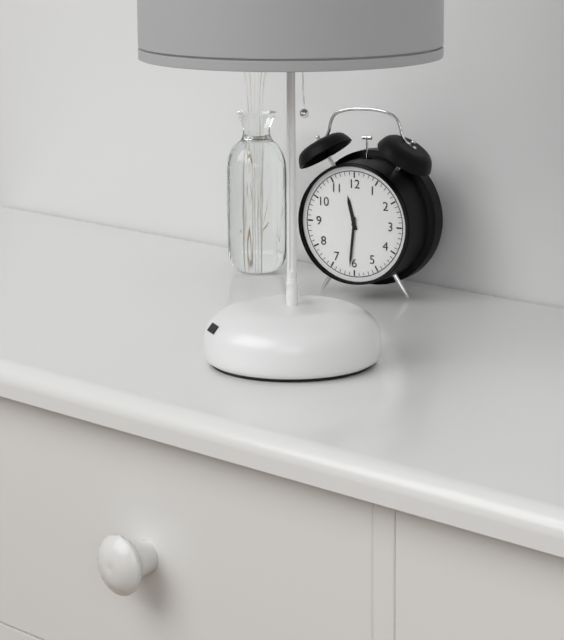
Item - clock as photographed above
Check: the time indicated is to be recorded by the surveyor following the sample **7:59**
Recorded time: **11:31**
